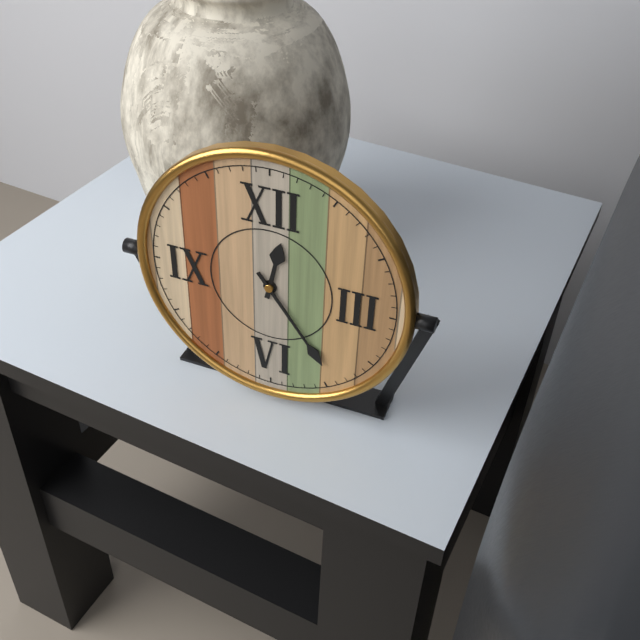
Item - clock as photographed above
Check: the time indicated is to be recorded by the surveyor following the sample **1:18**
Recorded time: **12:24**
